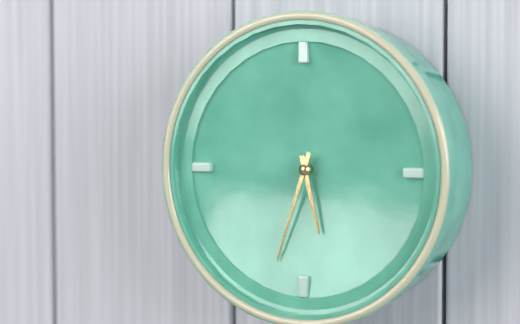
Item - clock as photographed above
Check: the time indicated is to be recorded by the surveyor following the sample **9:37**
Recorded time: **5:33**
